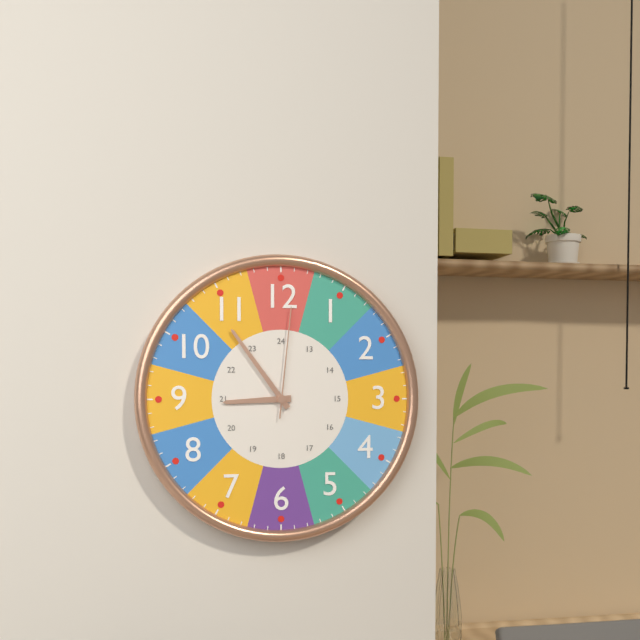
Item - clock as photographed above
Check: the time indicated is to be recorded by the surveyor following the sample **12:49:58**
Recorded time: **8:54:01**
